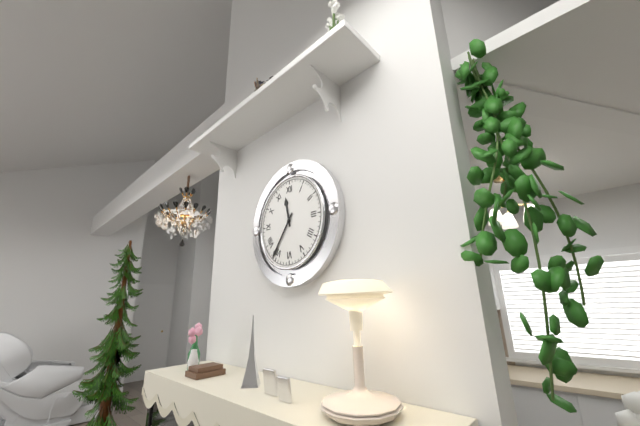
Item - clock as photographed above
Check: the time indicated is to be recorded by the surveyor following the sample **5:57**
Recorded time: **11:36**
